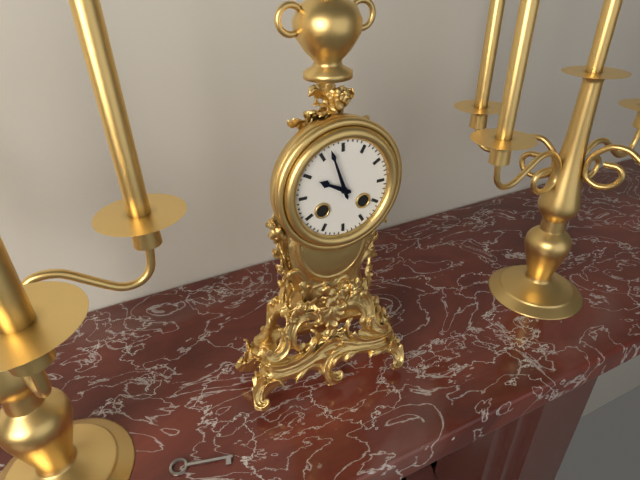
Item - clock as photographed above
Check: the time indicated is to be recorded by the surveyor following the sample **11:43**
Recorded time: **9:57**
